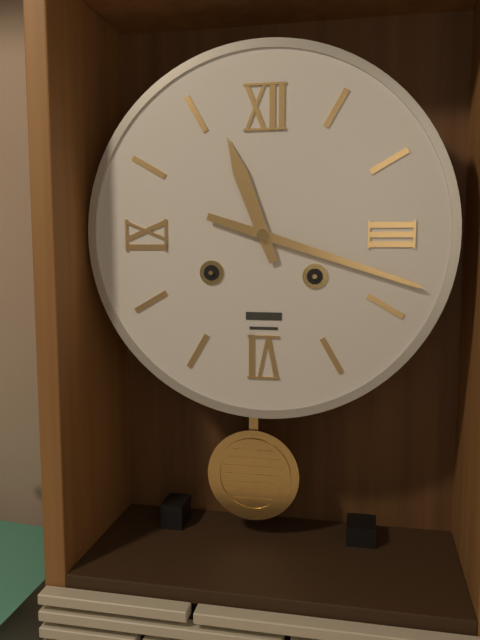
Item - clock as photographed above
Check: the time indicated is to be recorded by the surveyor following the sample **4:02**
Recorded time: **11:18**
